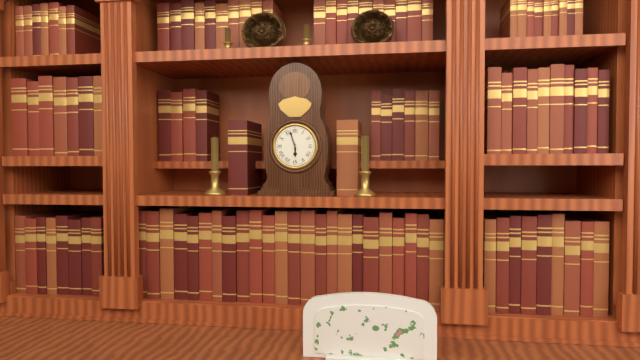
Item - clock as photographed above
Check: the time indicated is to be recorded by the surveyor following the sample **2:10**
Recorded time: **5:57**
